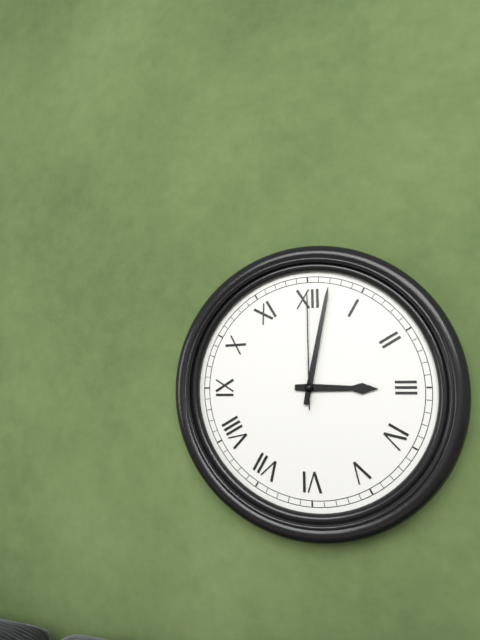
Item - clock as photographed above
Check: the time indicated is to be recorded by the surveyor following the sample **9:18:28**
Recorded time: **3:02:00**
